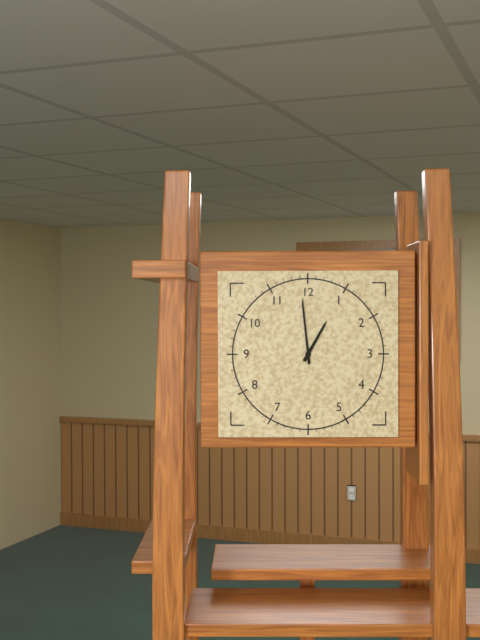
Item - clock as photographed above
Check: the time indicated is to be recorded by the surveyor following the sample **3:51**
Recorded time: **12:59**
